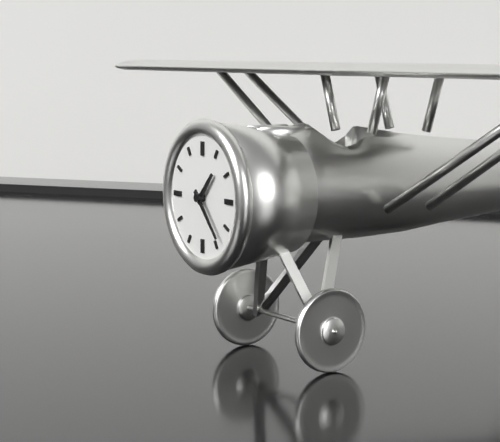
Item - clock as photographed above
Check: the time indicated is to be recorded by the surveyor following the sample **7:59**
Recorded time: **1:23**
